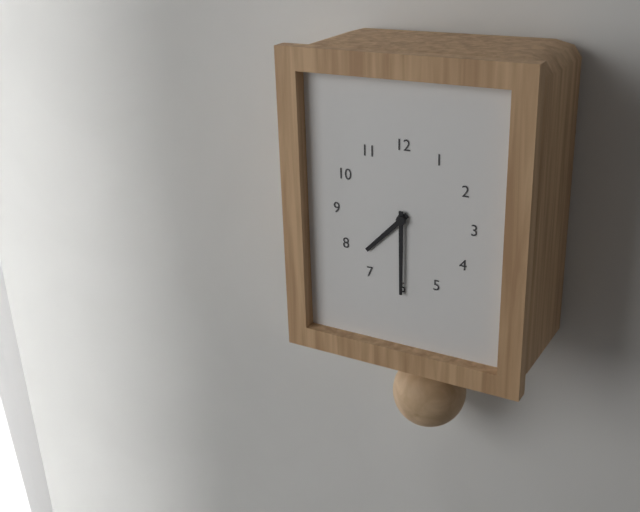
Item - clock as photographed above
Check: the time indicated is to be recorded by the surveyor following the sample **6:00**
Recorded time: **7:30**
